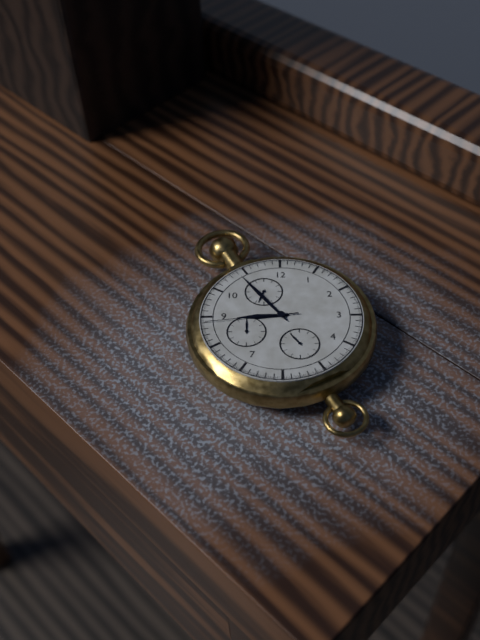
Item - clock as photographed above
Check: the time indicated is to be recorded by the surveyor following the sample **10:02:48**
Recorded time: **8:54:44**
